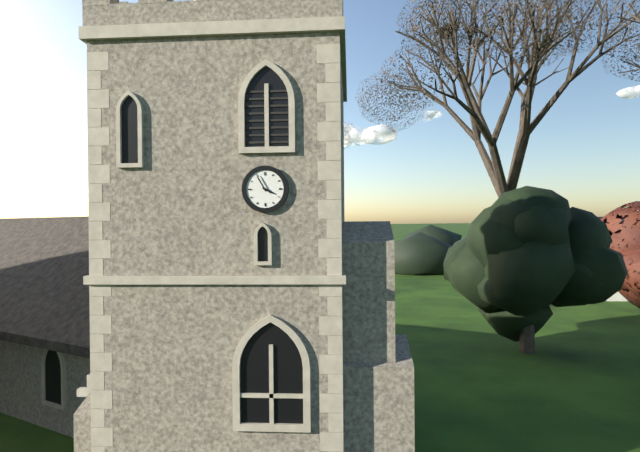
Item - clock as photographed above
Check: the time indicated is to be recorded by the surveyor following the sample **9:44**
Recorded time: **3:55**
